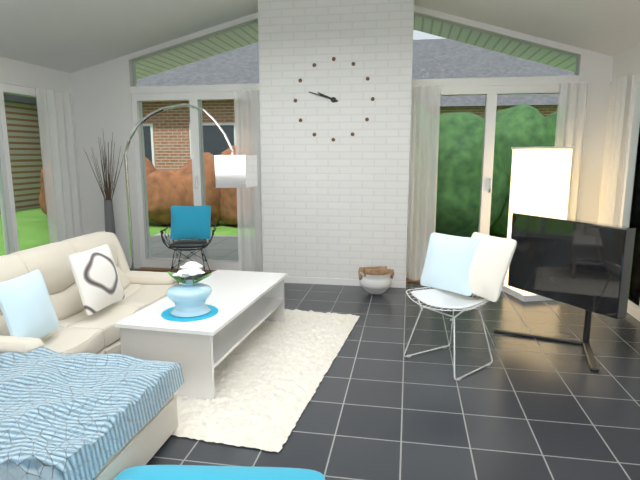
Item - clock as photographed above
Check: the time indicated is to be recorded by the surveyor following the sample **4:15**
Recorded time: **9:48**
